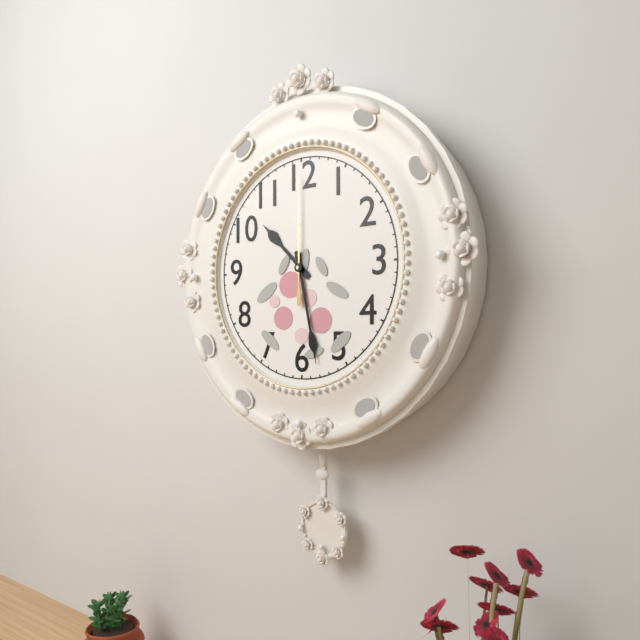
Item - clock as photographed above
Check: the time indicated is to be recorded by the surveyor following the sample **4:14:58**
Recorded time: **10:28:00**
